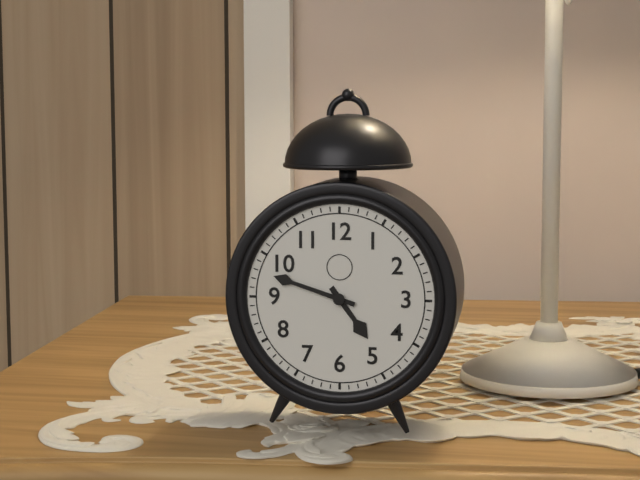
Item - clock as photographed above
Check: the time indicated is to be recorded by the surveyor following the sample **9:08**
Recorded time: **4:48**
